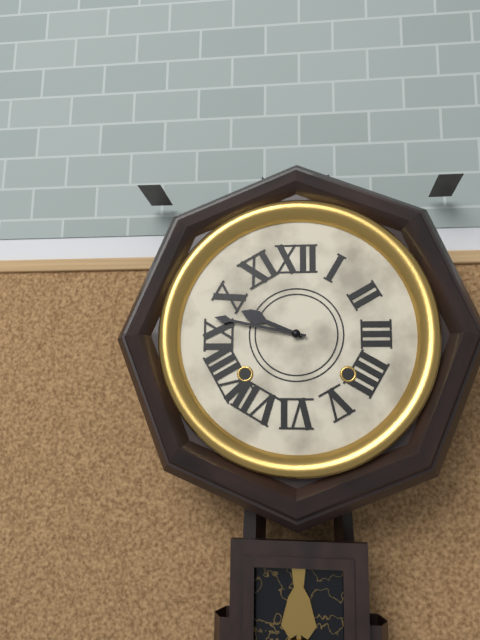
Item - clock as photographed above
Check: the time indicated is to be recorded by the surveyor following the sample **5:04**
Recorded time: **9:47**
